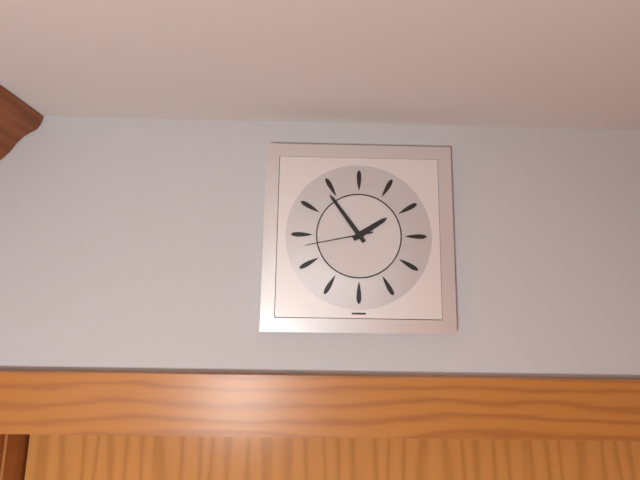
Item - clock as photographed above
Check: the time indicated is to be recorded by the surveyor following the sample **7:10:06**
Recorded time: **1:54:43**
